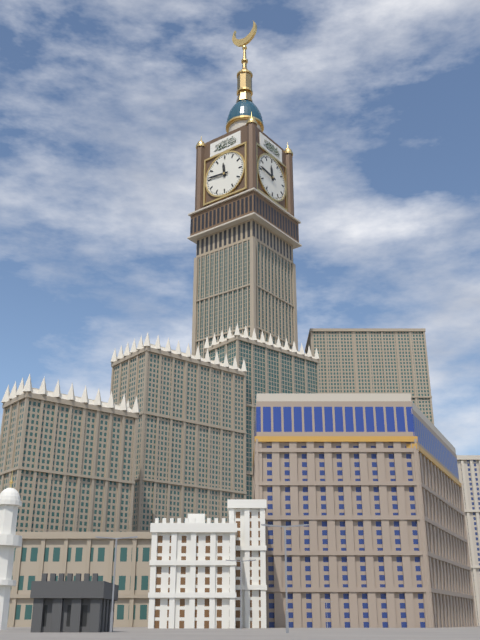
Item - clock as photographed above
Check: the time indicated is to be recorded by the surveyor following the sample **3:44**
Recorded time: **11:46**
